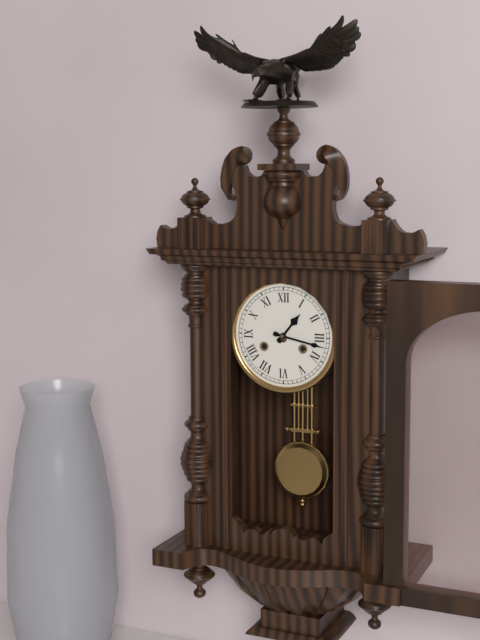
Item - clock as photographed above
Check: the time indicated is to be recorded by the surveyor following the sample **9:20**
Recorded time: **1:17**
